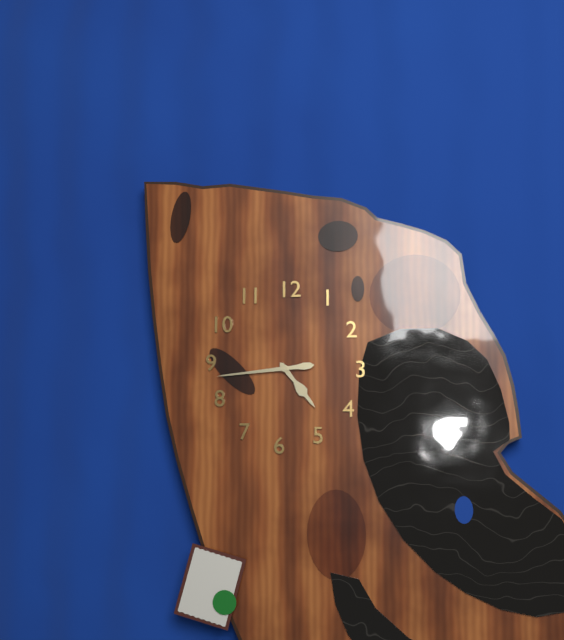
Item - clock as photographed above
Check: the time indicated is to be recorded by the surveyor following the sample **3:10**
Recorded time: **4:44**
